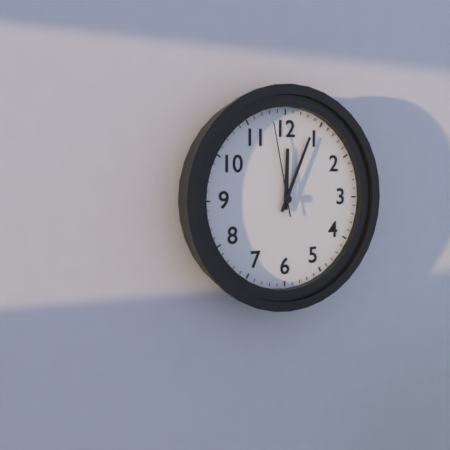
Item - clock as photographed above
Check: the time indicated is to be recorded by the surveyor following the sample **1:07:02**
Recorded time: **12:04:58**
